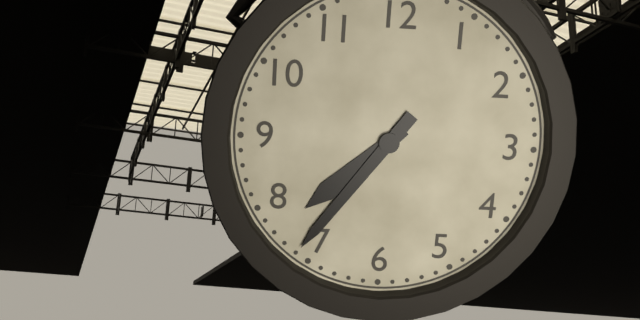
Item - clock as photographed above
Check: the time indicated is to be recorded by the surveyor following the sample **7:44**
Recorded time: **7:36**
